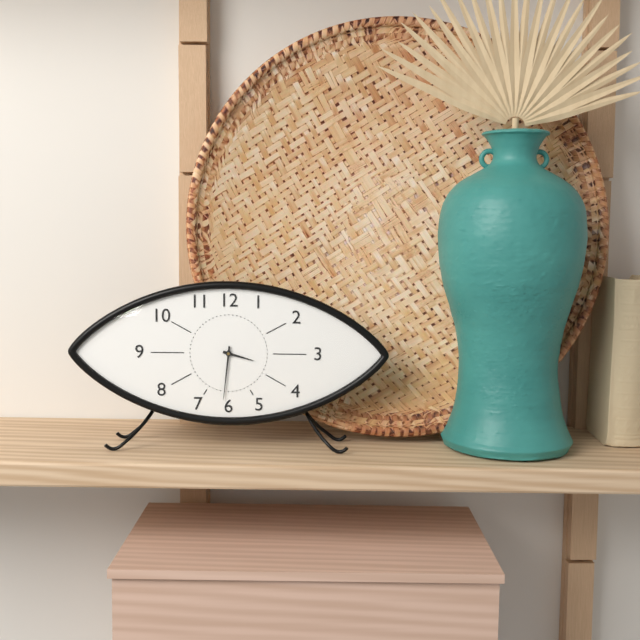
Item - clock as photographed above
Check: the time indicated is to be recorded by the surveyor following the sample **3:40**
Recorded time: **3:31**
